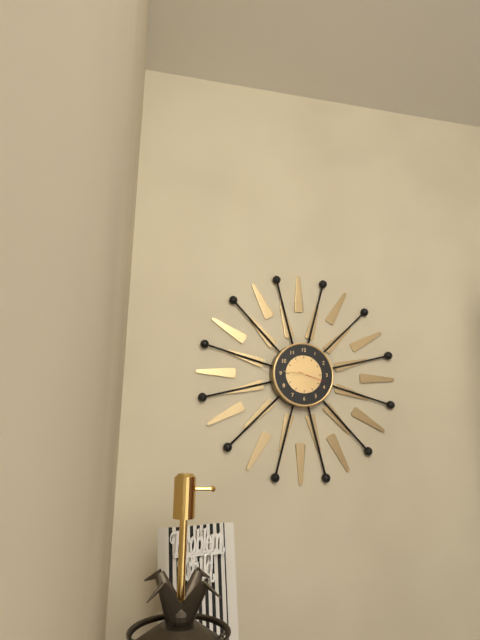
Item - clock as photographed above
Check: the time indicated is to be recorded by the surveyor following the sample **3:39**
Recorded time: **8:46**
